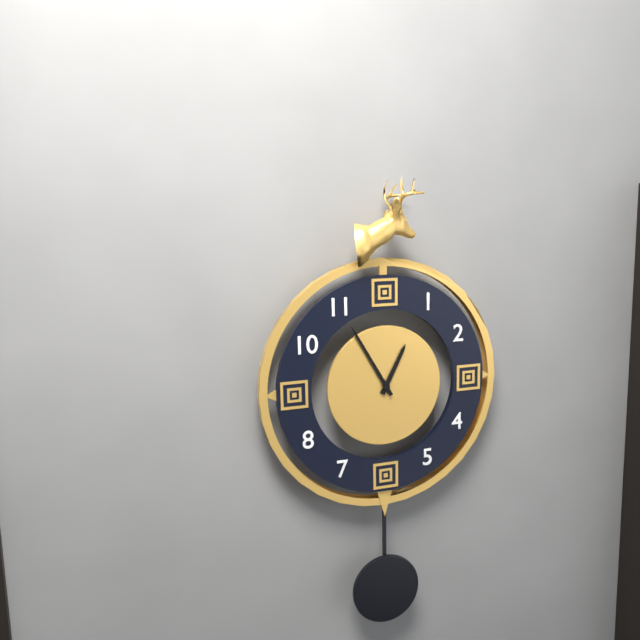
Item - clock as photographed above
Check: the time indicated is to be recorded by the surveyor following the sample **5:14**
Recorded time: **12:55**
